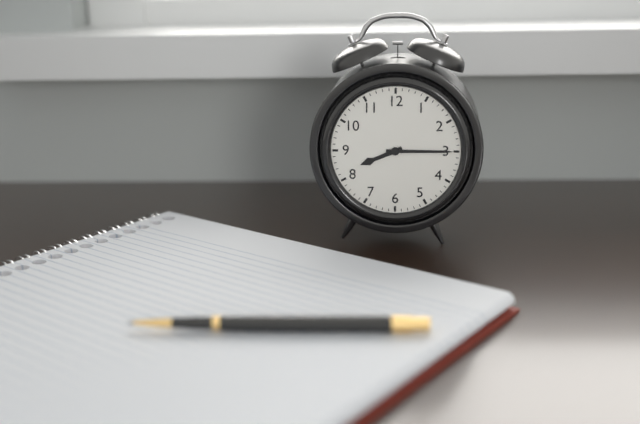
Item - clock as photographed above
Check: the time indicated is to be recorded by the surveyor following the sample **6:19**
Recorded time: **8:15**
